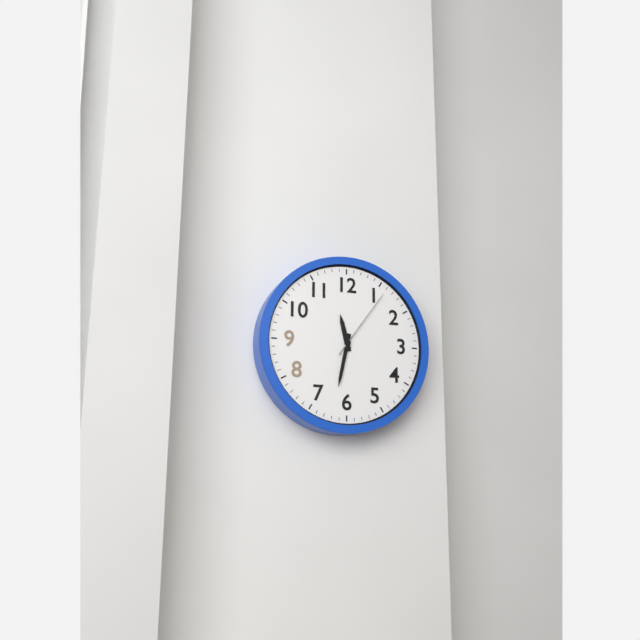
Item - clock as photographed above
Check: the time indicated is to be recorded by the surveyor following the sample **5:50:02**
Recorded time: **11:32:06**
